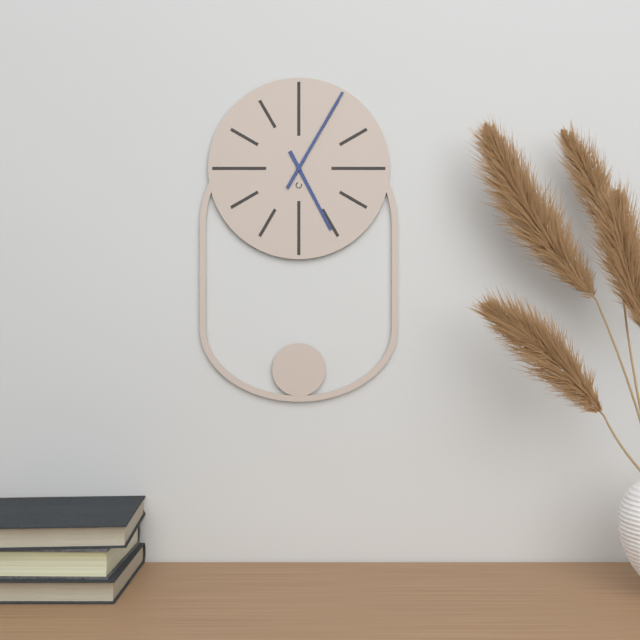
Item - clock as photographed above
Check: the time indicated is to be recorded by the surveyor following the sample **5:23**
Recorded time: **5:05**
